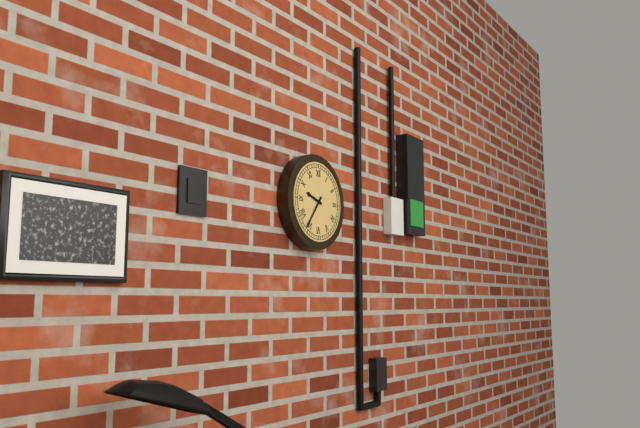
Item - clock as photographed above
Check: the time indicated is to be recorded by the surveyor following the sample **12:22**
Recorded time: **9:36**
